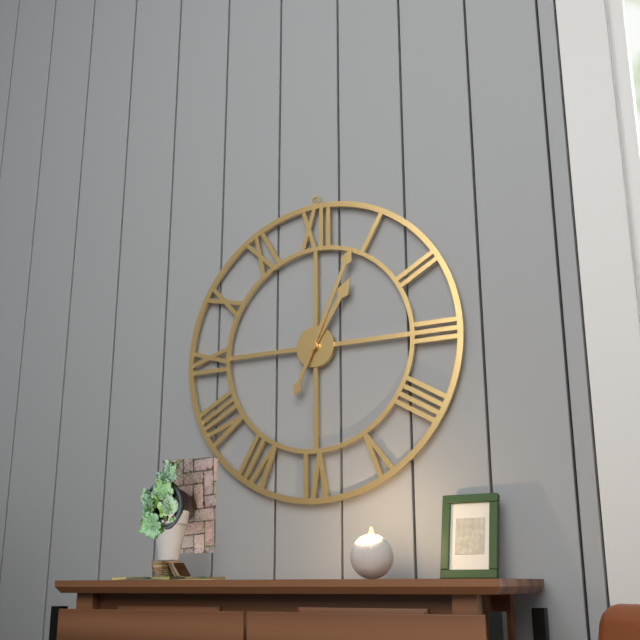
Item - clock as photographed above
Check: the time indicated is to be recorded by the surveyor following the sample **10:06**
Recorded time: **1:04**
